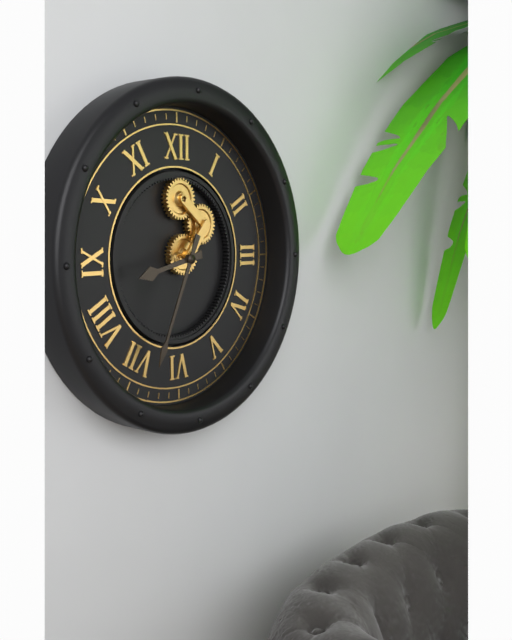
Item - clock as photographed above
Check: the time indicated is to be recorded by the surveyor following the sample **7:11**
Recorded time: **8:34**
